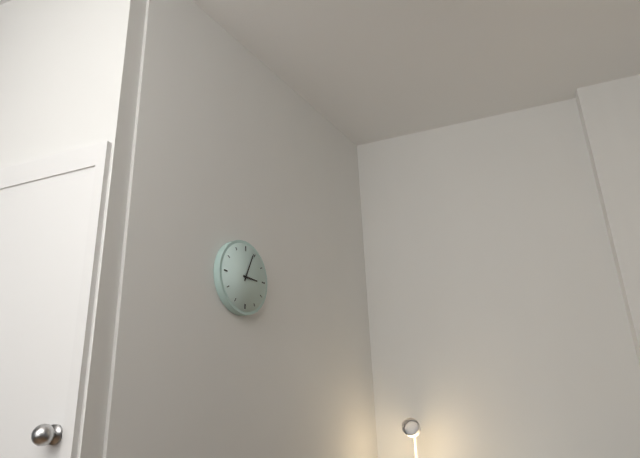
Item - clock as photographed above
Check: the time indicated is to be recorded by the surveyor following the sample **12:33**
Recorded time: **3:04**
